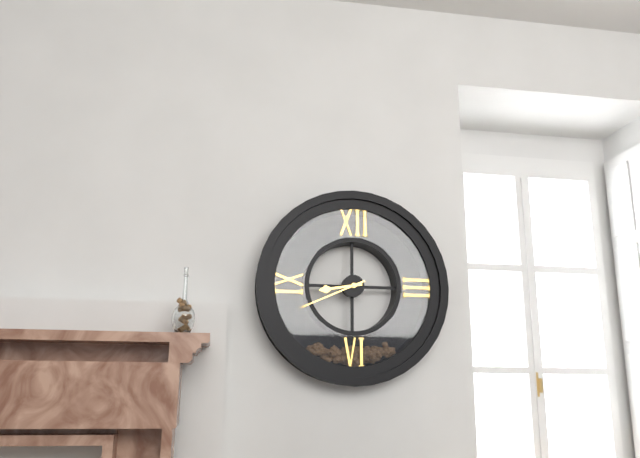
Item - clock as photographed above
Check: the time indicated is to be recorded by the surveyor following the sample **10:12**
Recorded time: **8:41**
